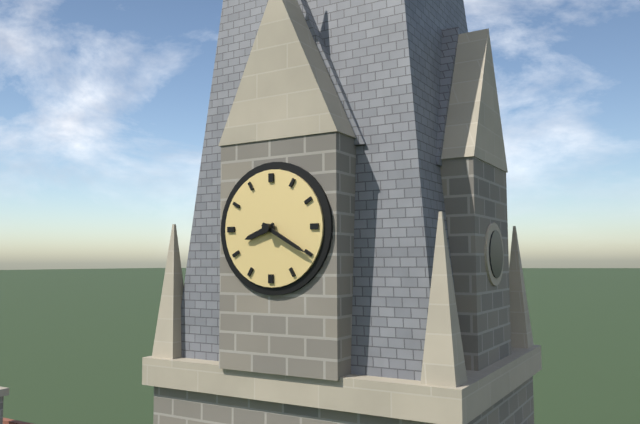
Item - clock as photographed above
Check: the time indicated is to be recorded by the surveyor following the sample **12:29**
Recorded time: **8:20**
